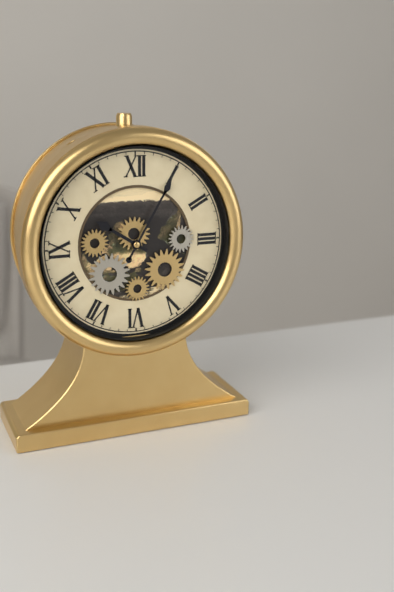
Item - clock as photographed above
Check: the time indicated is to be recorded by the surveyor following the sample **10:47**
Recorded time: **10:05**
